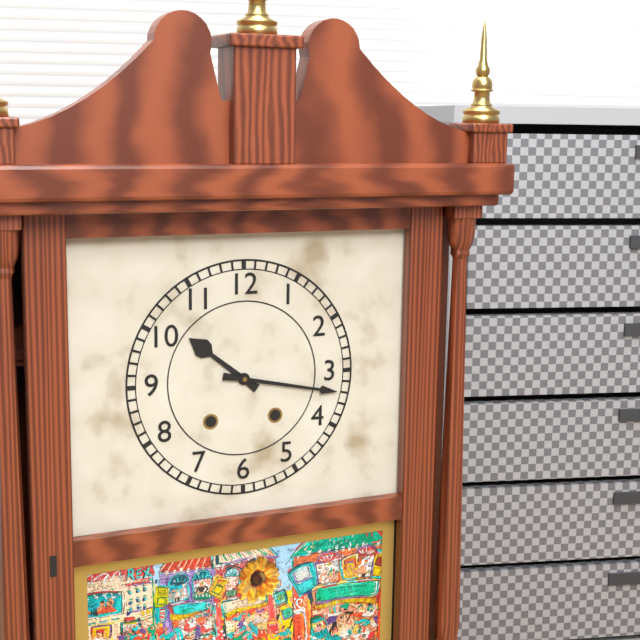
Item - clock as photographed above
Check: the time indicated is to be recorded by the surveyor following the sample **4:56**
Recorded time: **10:17**
